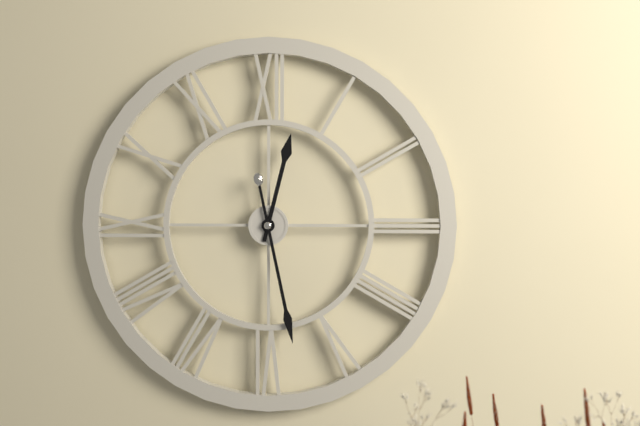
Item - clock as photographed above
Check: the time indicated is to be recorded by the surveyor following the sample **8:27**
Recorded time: **12:28**
